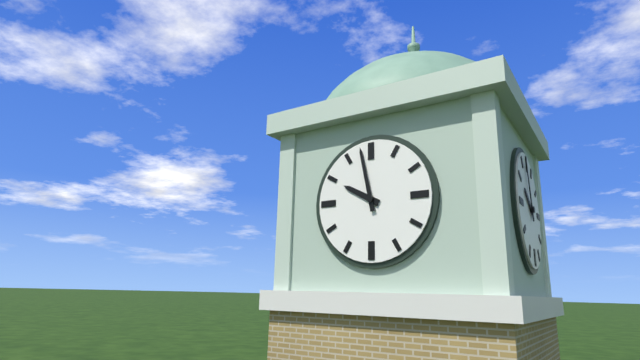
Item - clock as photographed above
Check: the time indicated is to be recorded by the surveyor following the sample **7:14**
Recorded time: **9:58**
